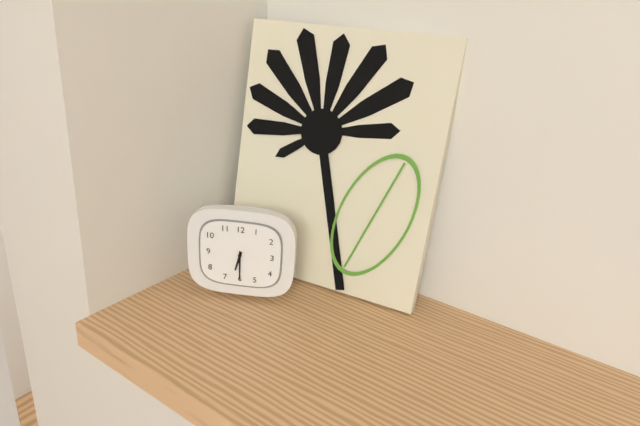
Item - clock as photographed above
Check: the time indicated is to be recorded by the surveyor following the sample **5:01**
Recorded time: **6:30**
